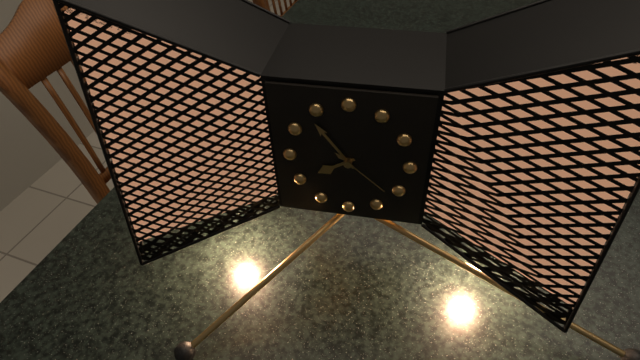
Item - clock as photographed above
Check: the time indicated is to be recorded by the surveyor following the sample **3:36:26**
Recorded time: **7:54:22**
